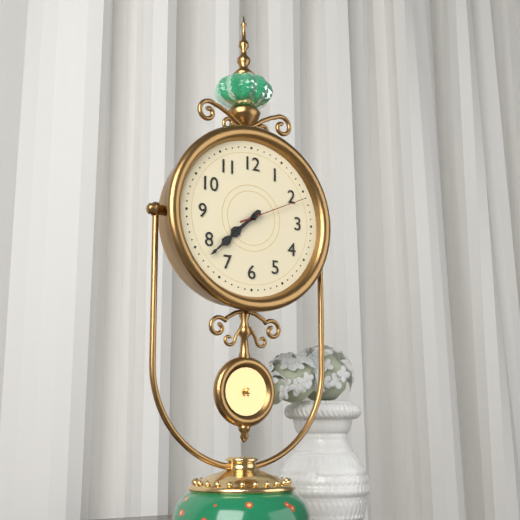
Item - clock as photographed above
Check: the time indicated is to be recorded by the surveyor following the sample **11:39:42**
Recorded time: **7:38:11**
